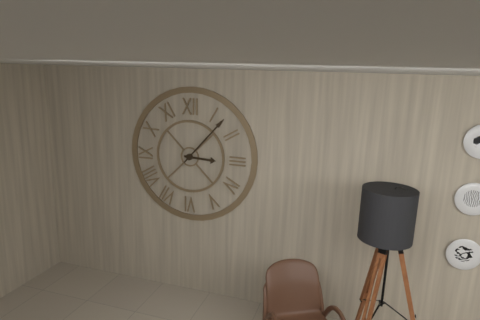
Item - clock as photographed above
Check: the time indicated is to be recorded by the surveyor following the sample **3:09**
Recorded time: **3:07**
